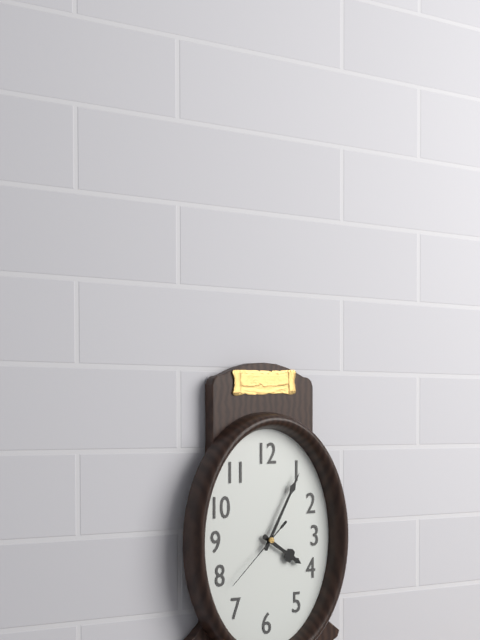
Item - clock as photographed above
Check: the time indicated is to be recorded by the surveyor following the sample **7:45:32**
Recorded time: **4:05:38**
